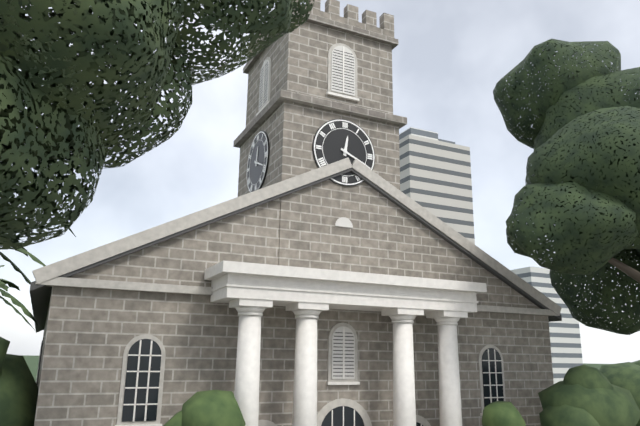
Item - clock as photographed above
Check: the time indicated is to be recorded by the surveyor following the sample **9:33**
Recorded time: **12:19**
